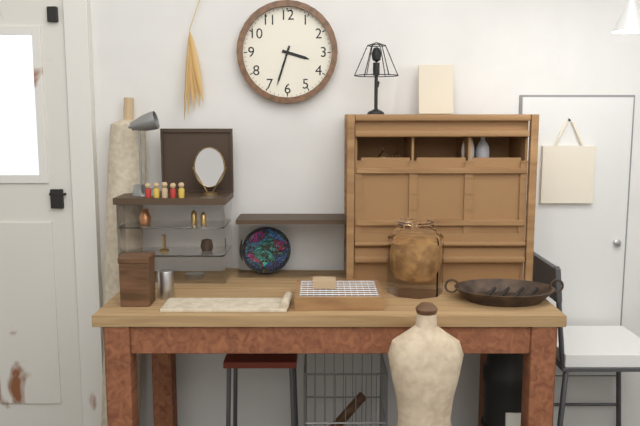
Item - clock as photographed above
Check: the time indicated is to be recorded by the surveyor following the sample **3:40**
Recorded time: **3:33**
